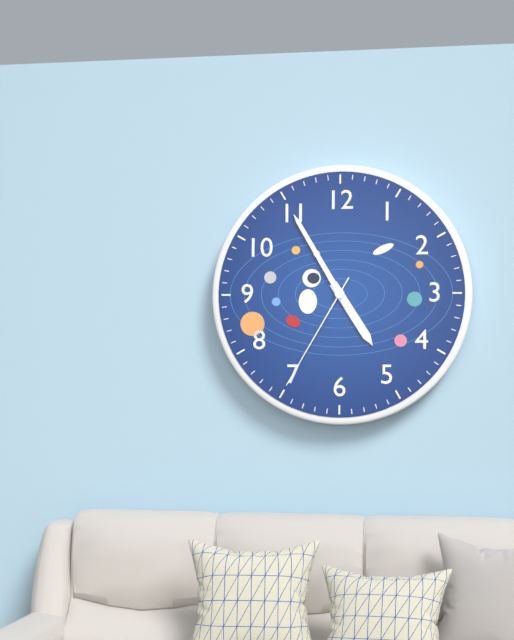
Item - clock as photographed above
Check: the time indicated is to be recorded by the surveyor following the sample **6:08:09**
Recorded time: **4:55:35**
